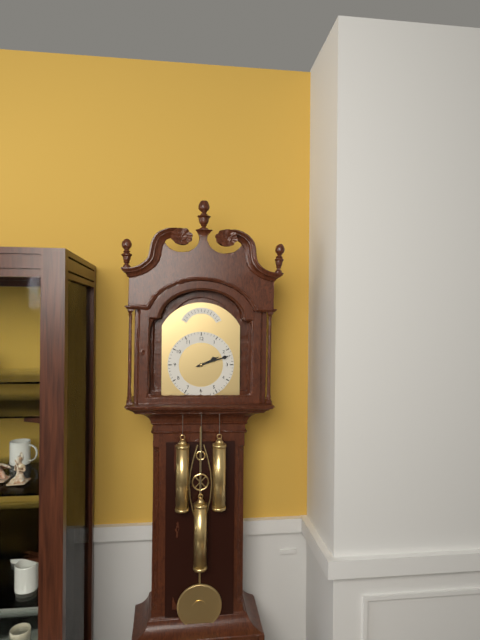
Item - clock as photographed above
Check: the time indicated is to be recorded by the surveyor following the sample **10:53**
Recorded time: **2:12**
